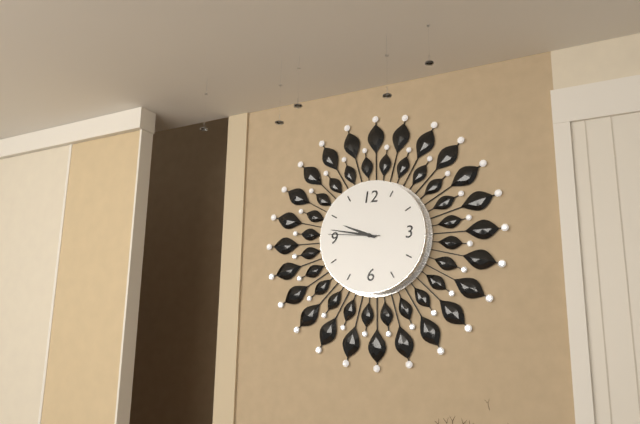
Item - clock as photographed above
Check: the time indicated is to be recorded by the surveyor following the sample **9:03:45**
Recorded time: **9:47:46**
